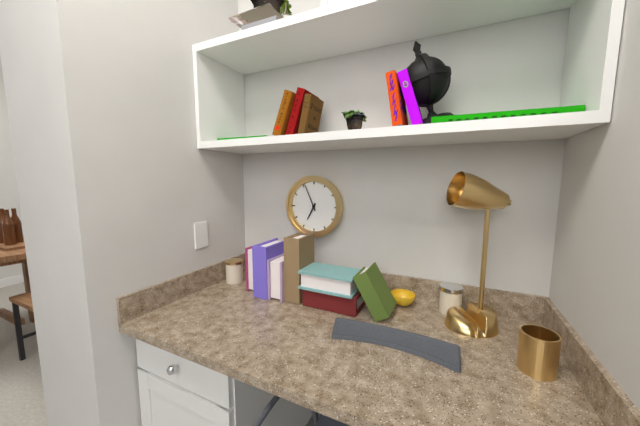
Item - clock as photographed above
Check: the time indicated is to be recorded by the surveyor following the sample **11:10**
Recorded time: **6:56**
